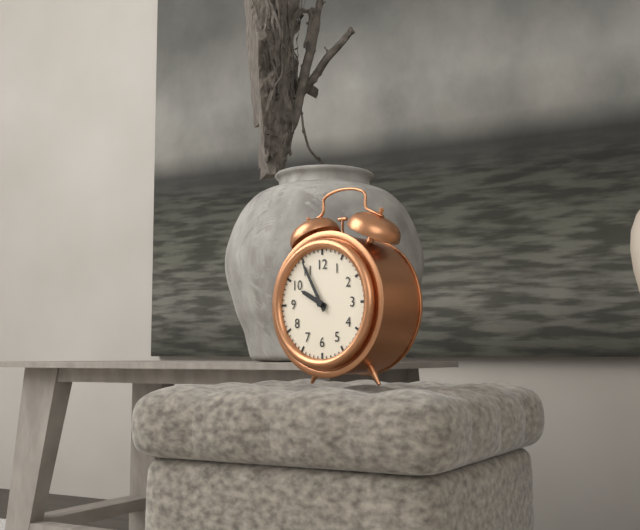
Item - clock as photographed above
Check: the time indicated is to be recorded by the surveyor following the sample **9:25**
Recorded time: **9:55**
